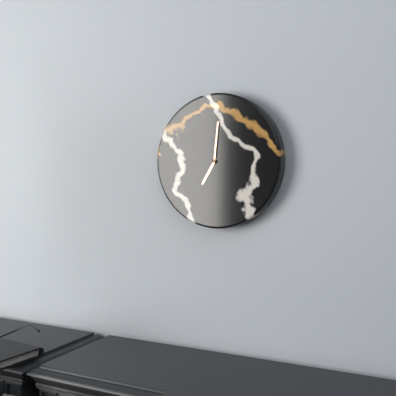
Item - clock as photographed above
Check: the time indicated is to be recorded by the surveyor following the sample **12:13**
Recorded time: **7:01**
